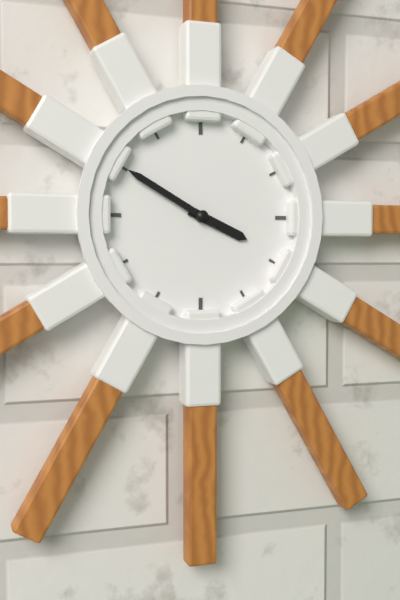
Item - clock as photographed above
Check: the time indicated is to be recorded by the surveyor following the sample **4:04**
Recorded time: **3:50**
